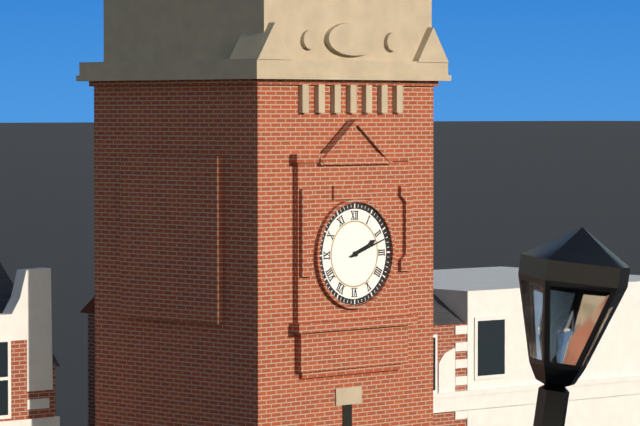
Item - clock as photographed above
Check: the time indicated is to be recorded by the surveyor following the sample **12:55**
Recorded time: **2:12**
